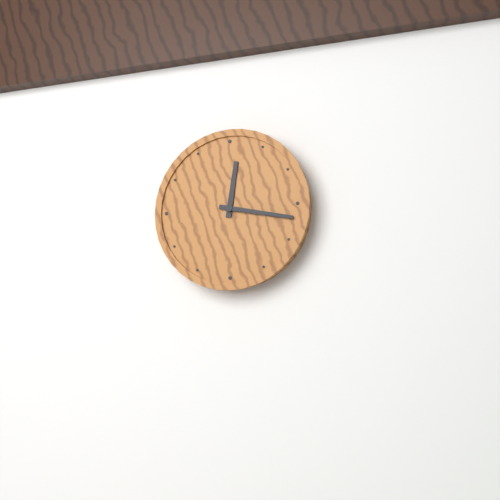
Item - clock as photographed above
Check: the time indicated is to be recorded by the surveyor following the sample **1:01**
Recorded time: **12:17**
